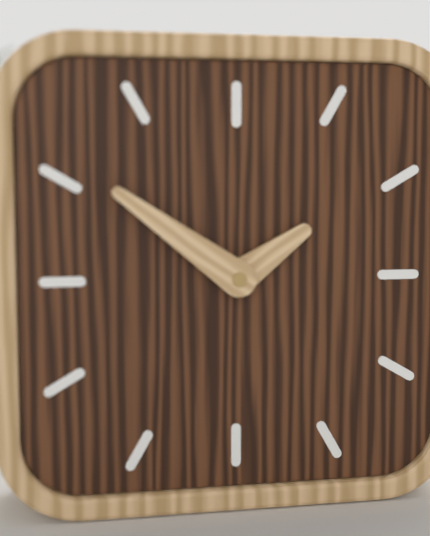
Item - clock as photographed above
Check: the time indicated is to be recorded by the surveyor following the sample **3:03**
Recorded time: **1:51**
